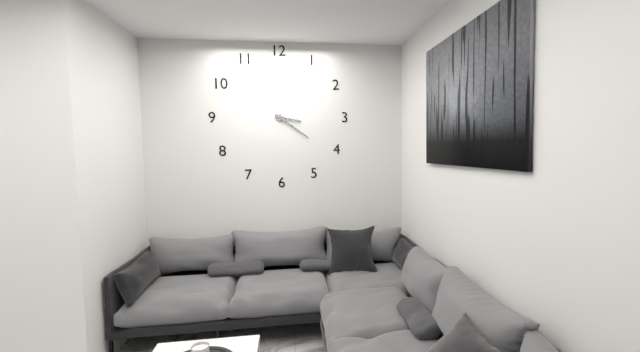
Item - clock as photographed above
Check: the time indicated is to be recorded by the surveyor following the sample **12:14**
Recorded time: **3:21**
